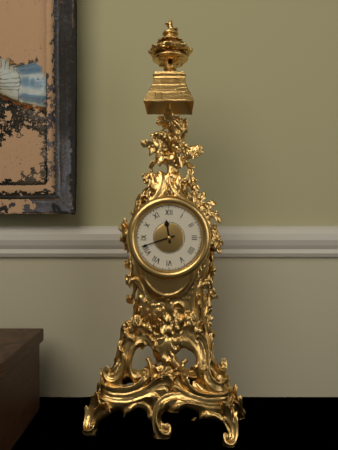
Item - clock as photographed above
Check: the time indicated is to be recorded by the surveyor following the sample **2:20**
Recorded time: **11:42**
